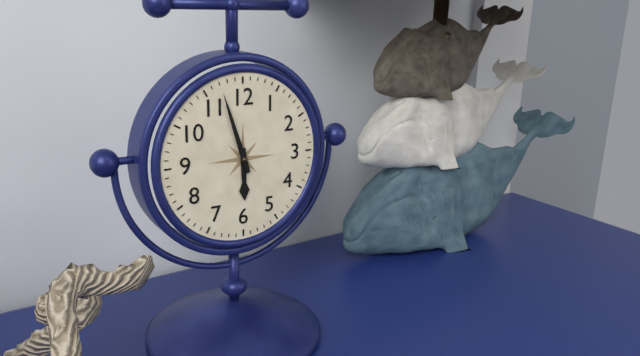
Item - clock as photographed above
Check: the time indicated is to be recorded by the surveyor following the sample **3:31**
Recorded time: **5:57**
